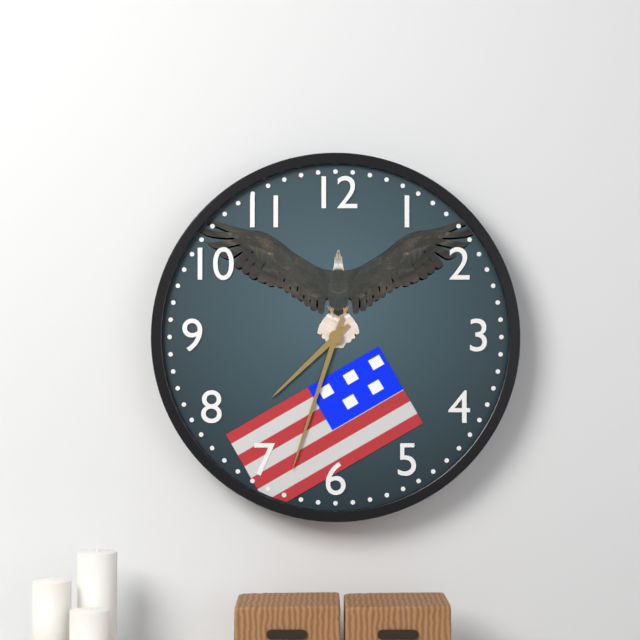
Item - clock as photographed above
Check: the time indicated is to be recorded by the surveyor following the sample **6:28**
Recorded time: **7:33**
